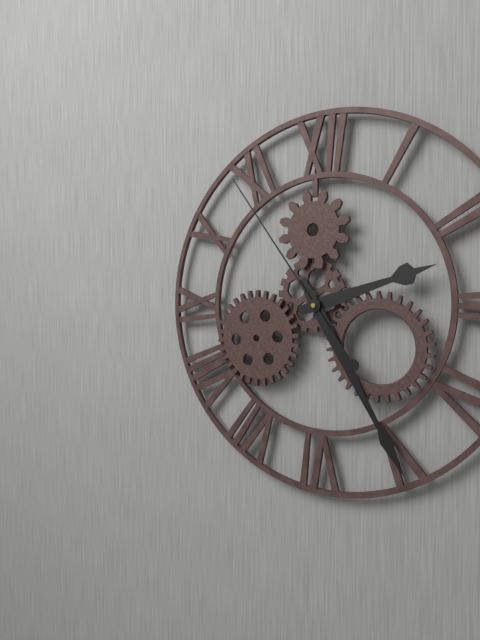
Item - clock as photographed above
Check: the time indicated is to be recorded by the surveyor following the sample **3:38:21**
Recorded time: **2:25:54**
